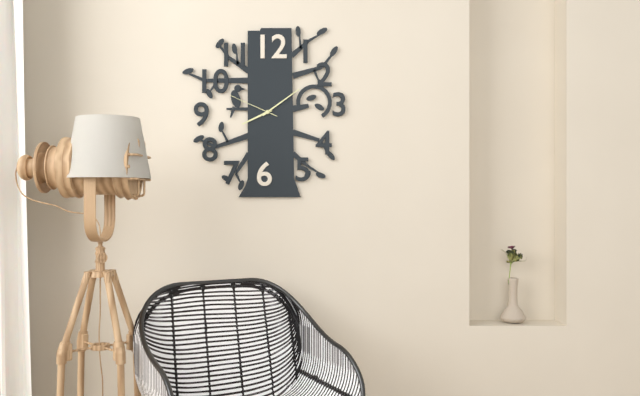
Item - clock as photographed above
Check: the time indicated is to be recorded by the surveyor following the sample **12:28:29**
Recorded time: **8:09:49**
